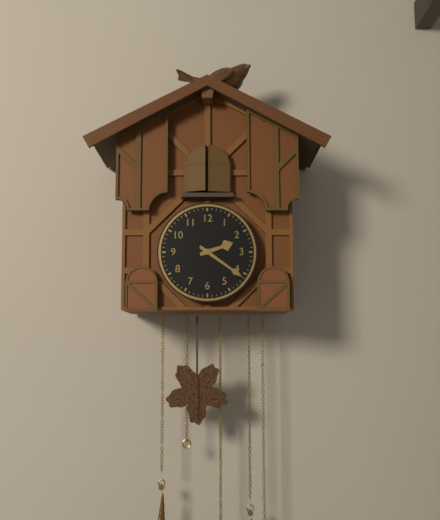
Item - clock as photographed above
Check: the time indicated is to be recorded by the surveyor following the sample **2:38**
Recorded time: **2:21**
